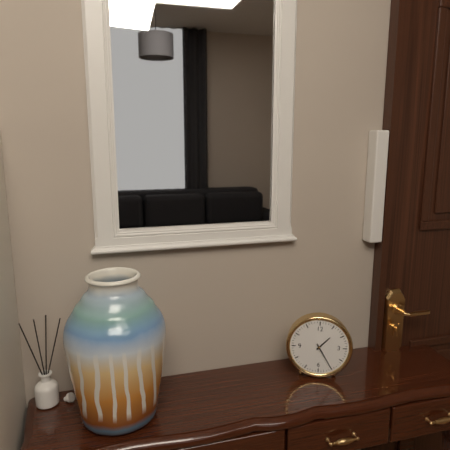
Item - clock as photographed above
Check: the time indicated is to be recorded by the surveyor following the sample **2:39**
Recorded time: **1:25**
